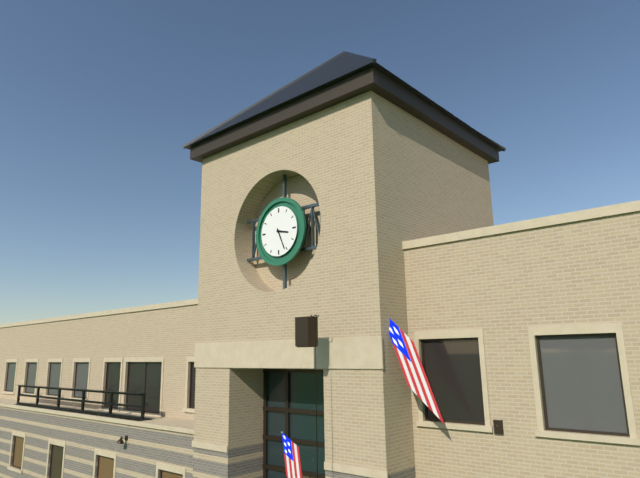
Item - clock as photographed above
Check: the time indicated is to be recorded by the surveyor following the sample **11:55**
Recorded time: **3:26**
